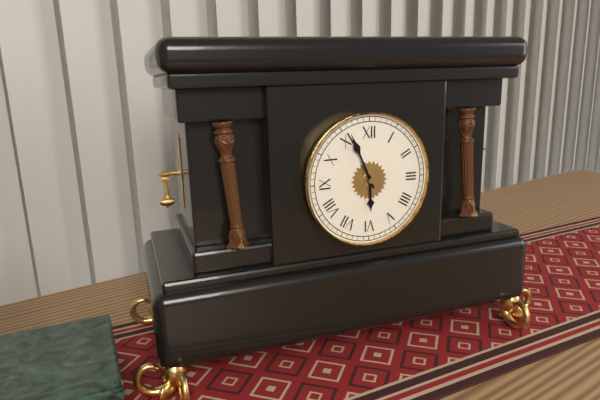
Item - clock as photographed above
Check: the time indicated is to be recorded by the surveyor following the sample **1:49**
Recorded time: **5:56**
